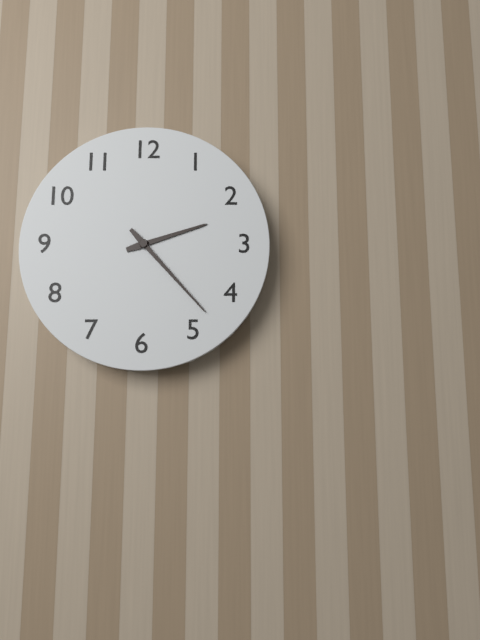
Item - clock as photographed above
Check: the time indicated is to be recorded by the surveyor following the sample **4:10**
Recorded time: **2:23**
